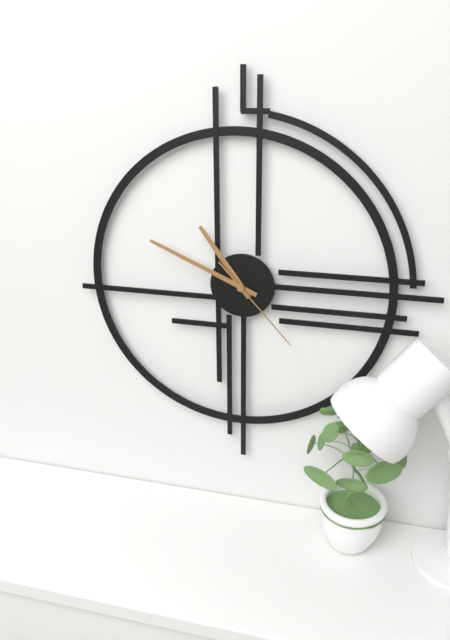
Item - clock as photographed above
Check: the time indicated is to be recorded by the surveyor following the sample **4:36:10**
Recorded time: **10:49:23**
